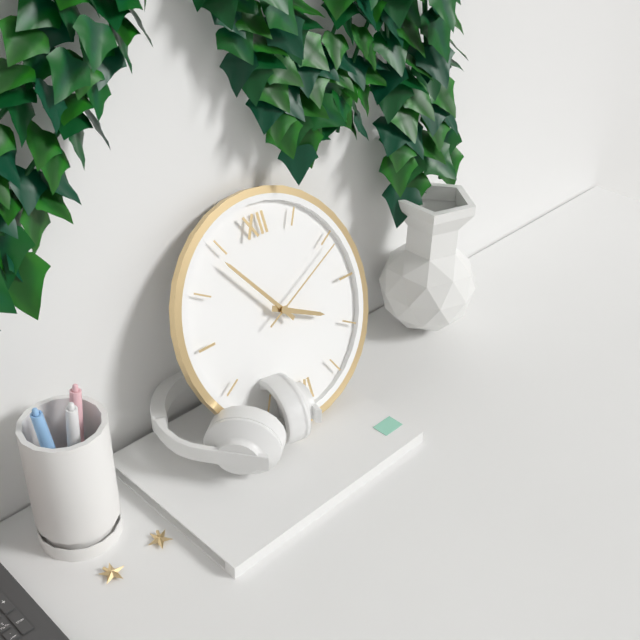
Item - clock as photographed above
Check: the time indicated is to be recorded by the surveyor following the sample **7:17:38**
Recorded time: **3:54:11**
